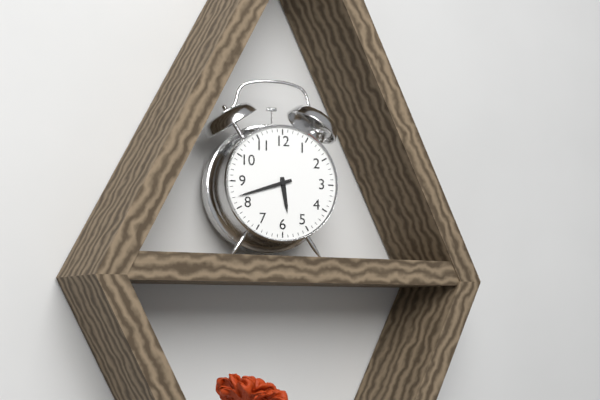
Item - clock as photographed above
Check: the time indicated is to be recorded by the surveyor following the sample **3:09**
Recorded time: **5:42**
